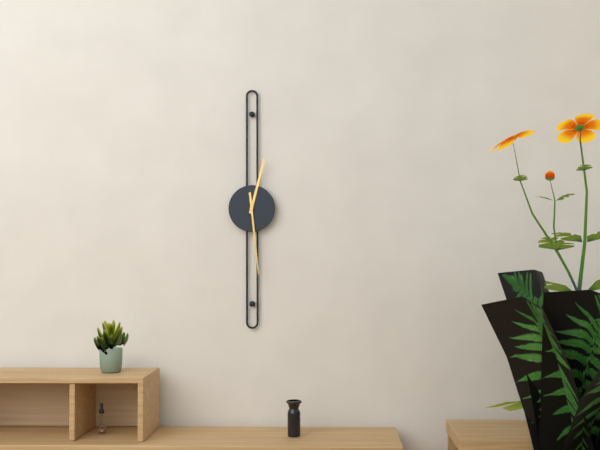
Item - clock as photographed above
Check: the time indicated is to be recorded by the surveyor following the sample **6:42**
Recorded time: **12:29**
